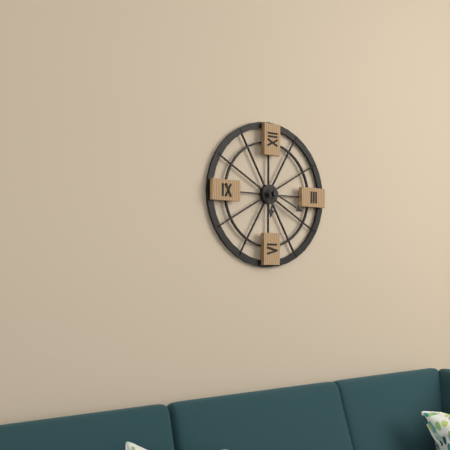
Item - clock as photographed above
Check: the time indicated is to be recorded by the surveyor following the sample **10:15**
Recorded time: **6:19**
